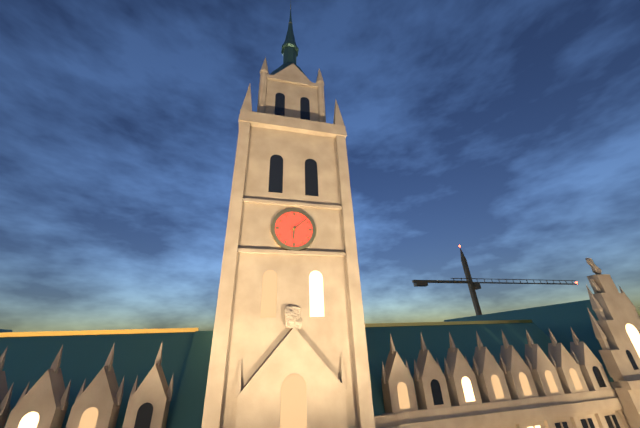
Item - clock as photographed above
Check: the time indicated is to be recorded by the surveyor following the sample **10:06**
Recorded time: **6:08**
